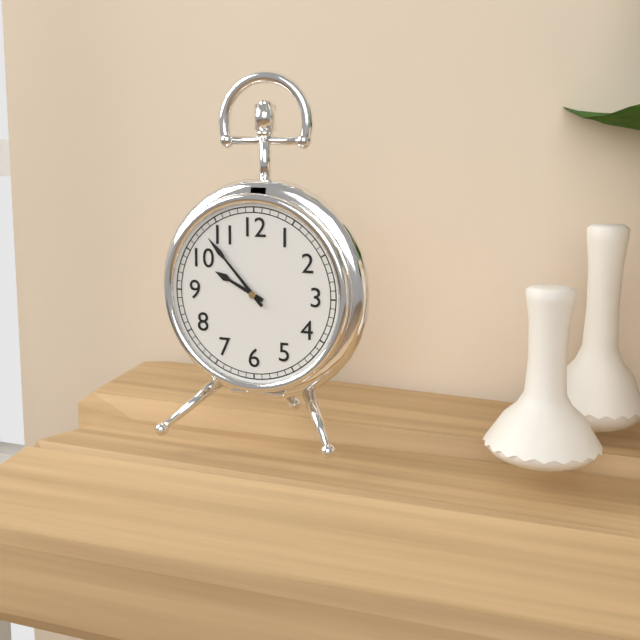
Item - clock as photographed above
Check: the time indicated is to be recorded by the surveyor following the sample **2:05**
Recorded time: **9:53**
